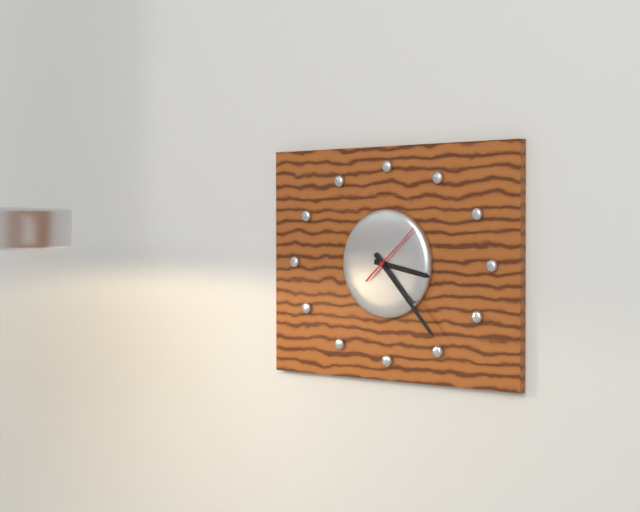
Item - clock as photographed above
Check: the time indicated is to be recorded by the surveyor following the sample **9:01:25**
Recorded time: **3:23:08**
